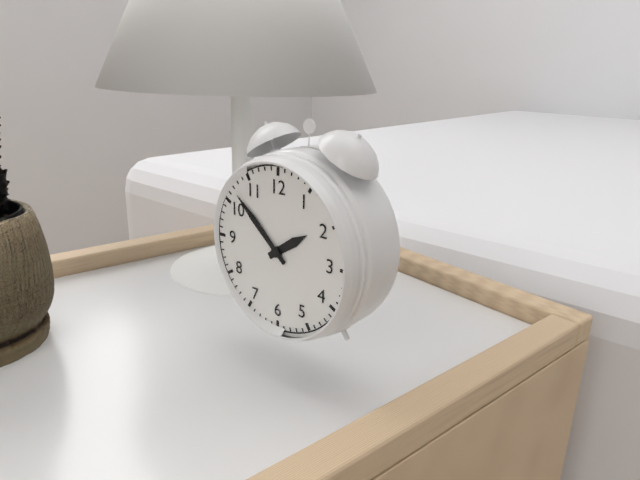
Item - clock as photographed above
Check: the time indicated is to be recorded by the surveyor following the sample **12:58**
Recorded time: **1:52**
